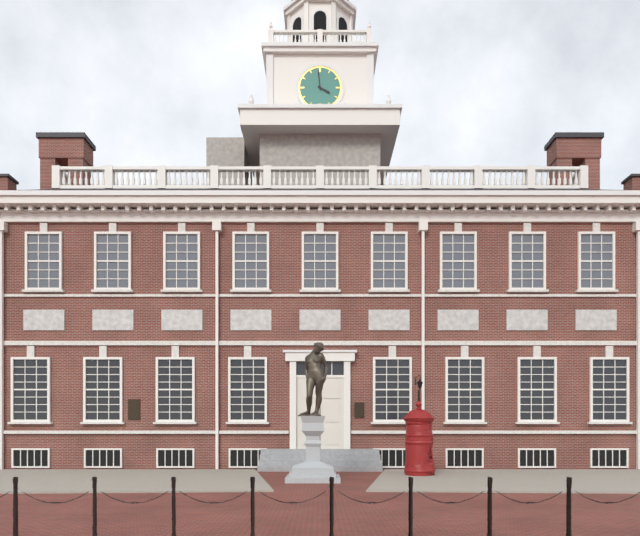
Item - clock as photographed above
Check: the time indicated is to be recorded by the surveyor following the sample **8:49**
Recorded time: **3:59**
